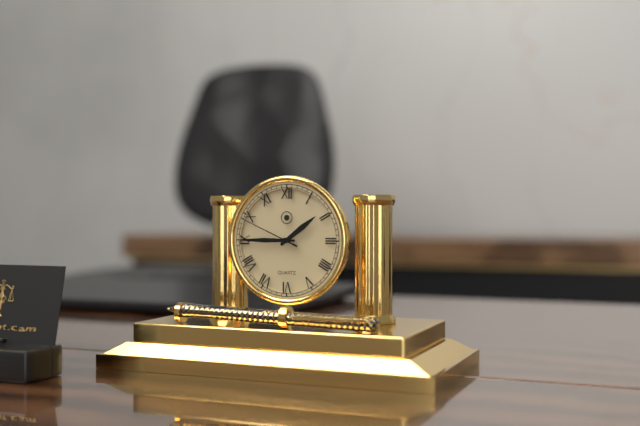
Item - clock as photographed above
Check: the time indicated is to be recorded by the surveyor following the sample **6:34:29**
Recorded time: **1:45:49**
